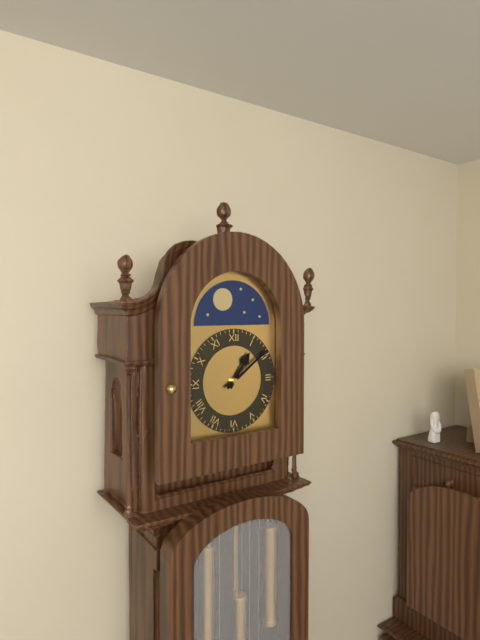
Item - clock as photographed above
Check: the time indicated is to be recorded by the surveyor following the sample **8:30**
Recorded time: **1:09**
